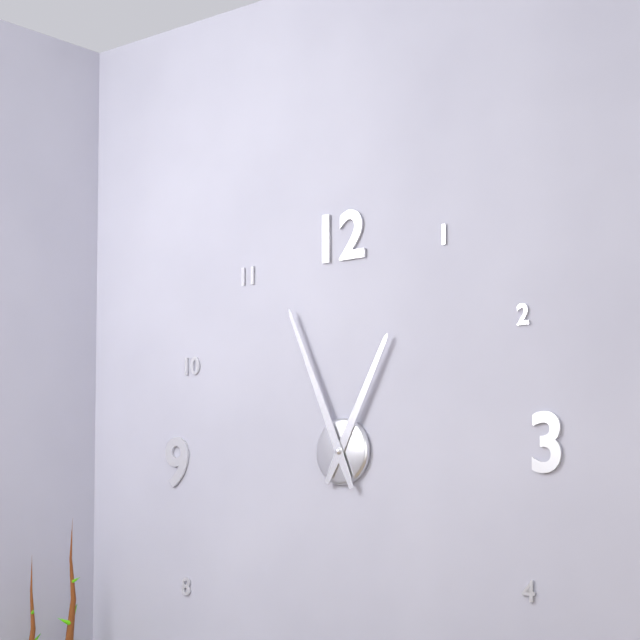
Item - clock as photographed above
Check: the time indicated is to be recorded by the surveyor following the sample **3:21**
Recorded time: **12:56**
